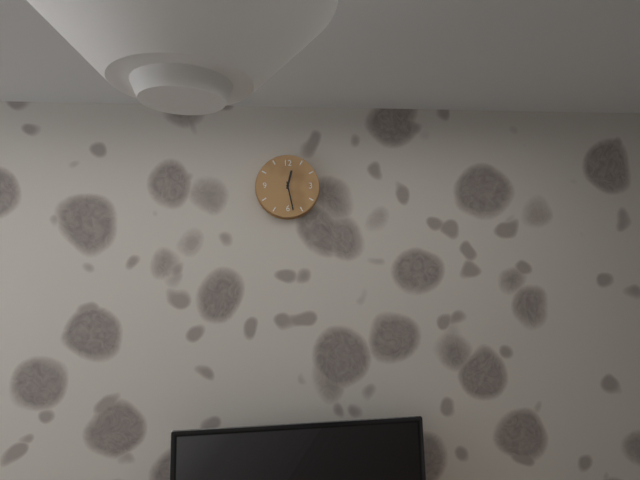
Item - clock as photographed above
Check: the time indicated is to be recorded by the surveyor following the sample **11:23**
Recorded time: **12:28**
